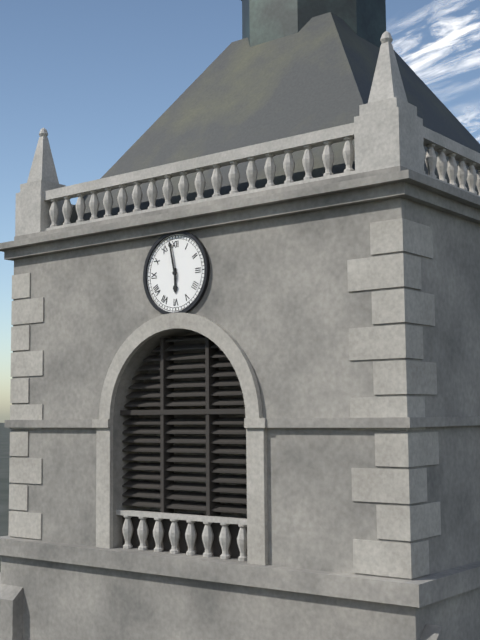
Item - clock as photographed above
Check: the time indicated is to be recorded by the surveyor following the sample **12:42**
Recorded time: **5:58**
